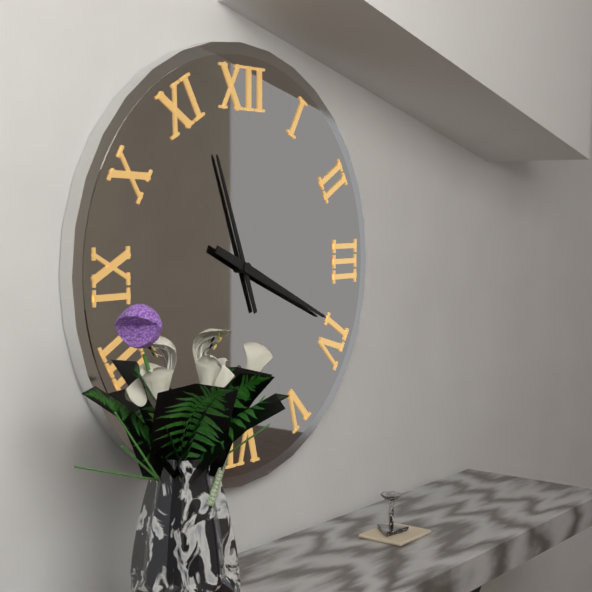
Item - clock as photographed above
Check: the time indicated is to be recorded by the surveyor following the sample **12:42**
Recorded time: **11:19**
